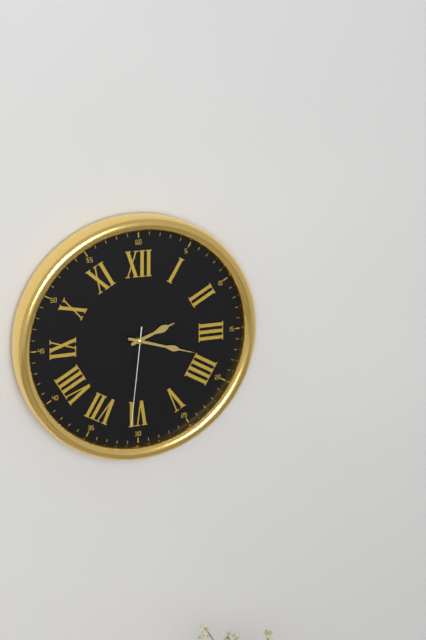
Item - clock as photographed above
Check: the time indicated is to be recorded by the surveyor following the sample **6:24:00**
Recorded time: **2:18:31**
